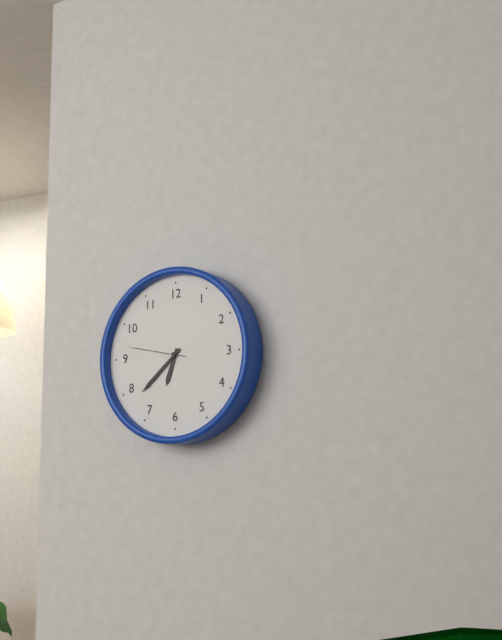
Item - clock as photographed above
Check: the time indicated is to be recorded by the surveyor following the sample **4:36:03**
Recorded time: **6:38:47**
